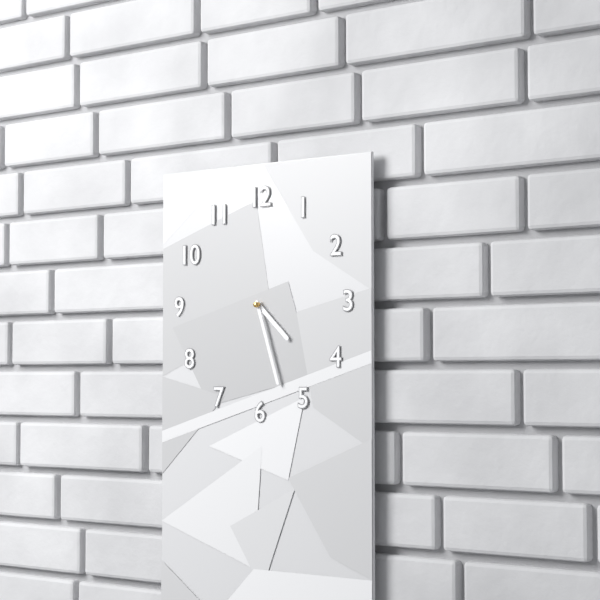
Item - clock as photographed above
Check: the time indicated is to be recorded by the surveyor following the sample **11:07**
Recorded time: **4:27**
